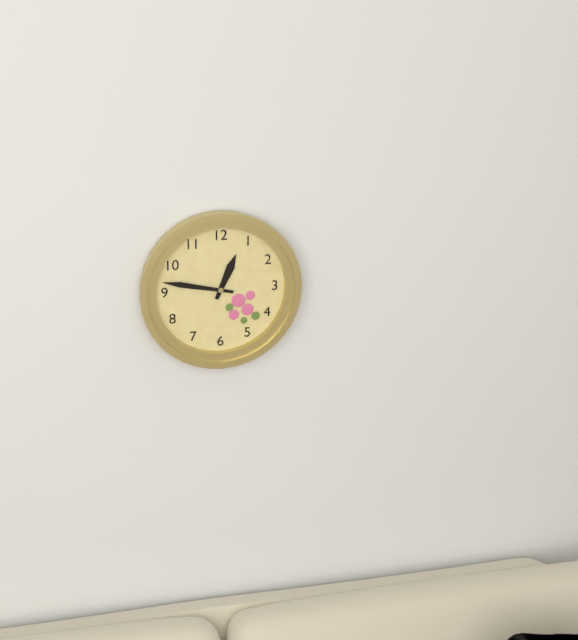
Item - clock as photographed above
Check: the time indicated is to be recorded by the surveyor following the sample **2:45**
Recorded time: **12:47**
